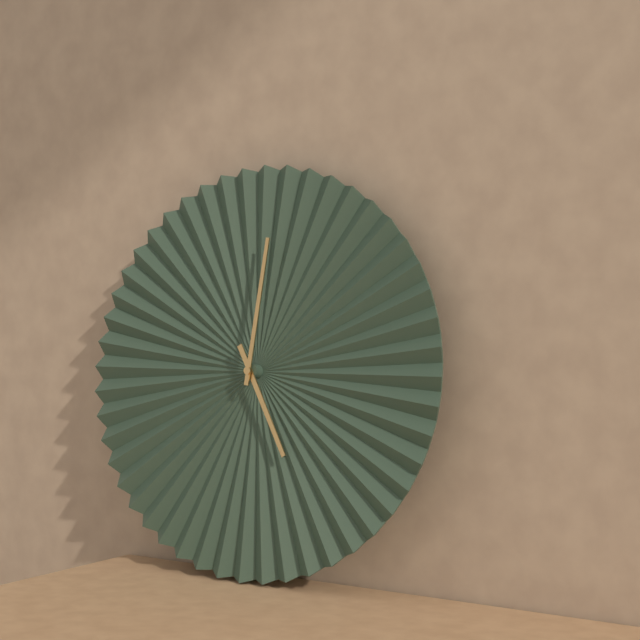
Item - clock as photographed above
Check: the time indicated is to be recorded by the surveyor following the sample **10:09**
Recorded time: **5:01**
